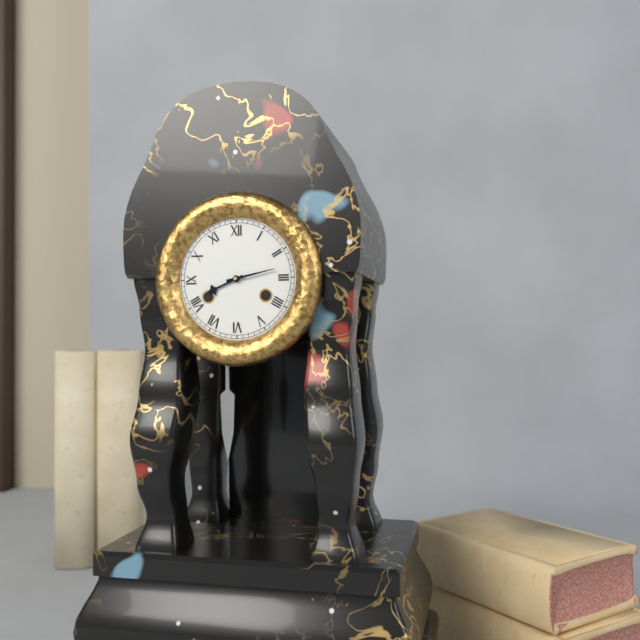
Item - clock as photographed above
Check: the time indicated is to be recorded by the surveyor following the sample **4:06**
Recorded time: **8:13**
